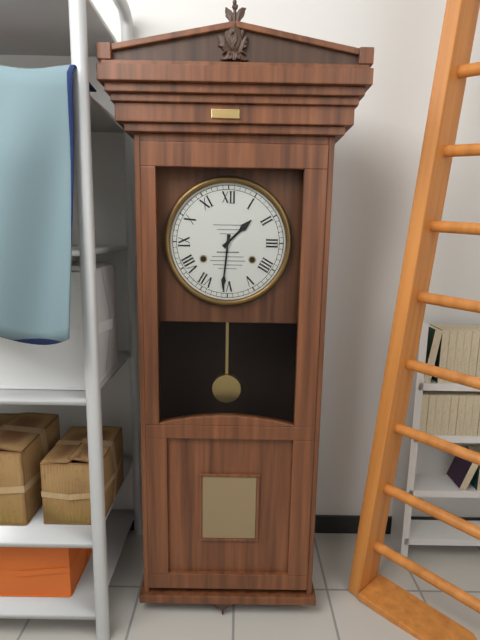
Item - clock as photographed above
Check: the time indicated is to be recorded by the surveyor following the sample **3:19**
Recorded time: **1:31**
